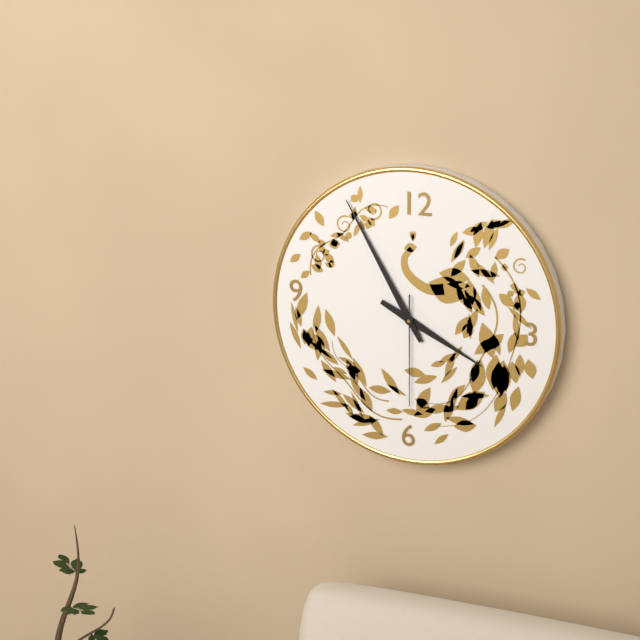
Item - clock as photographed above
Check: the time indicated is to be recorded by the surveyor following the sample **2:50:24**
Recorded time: **3:55:30**
